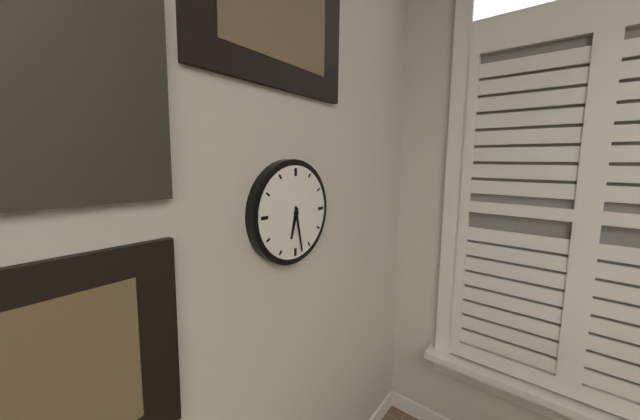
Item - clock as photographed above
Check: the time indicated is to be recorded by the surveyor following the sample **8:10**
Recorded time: **6:28**
